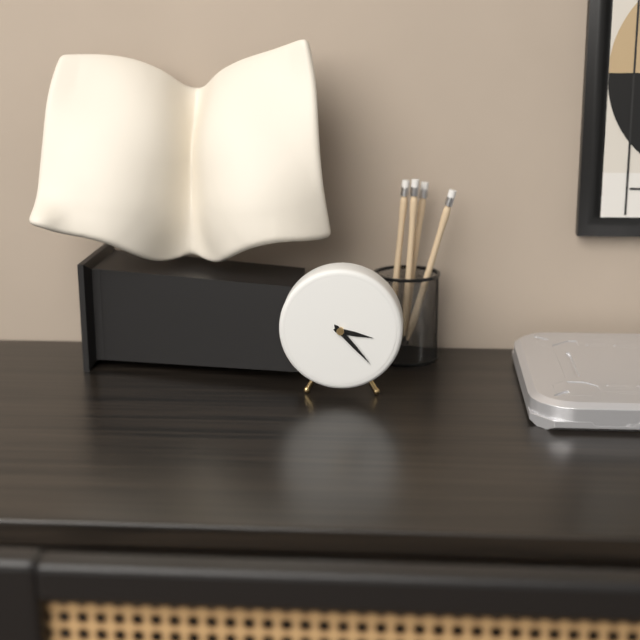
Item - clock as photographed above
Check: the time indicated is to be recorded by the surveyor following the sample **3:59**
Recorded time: **3:23**
